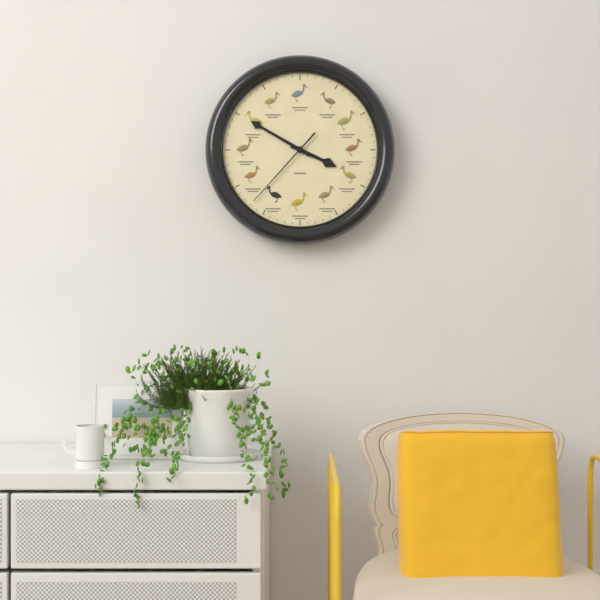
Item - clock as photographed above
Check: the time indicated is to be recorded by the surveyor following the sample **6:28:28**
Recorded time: **3:50:37**
